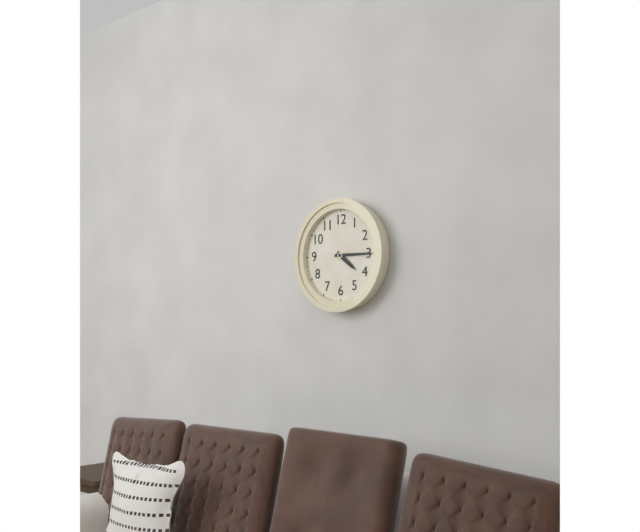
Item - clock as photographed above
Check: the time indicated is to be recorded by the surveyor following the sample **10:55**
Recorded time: **4:15**
